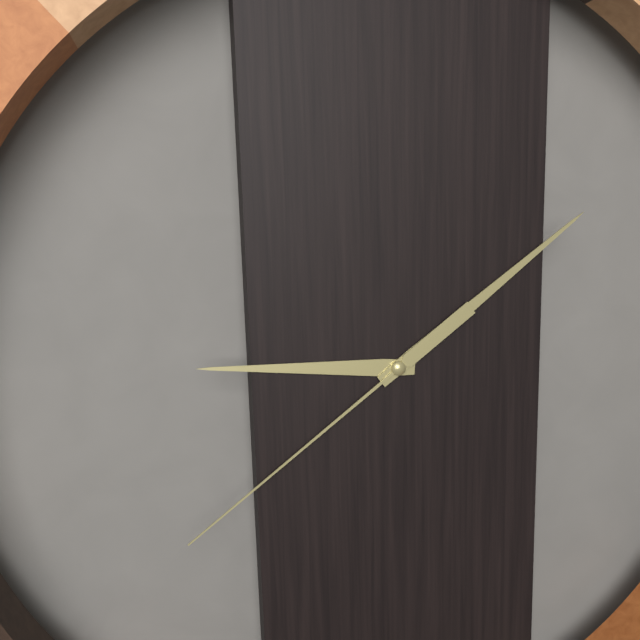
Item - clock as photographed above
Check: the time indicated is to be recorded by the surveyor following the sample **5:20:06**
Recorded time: **9:09:39**
